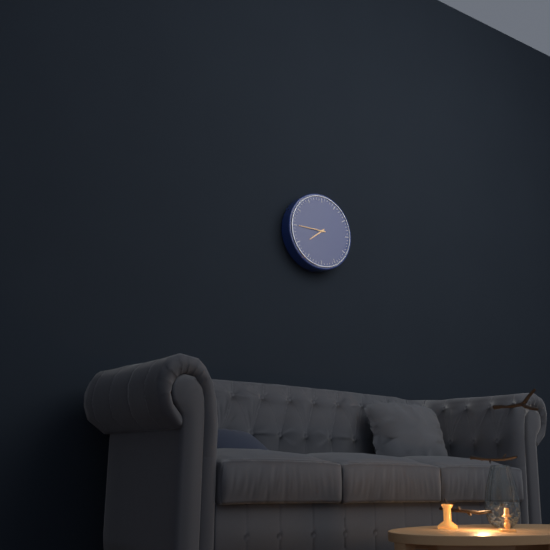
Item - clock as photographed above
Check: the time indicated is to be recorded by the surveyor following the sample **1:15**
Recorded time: **7:45**
